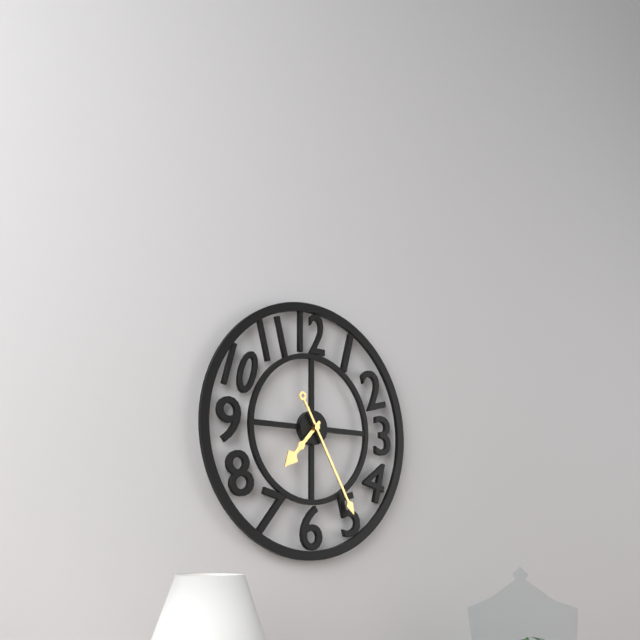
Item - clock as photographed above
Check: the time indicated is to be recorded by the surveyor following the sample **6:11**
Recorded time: **7:25**
